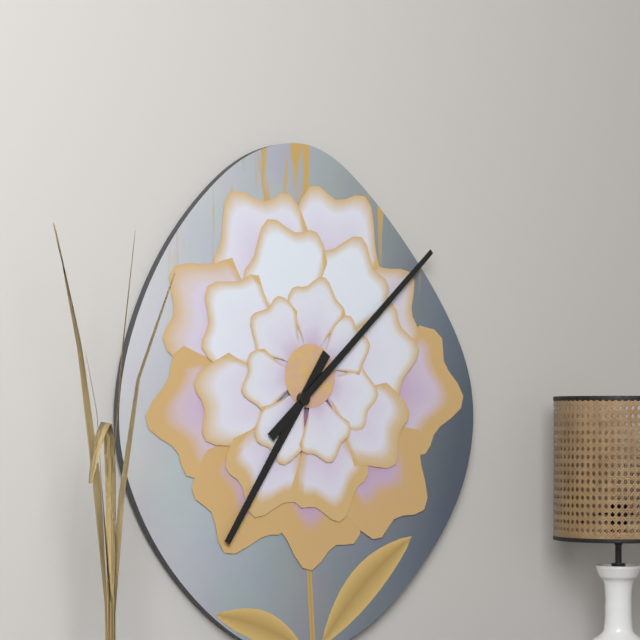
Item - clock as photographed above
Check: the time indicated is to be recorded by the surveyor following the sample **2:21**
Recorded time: **7:08**
